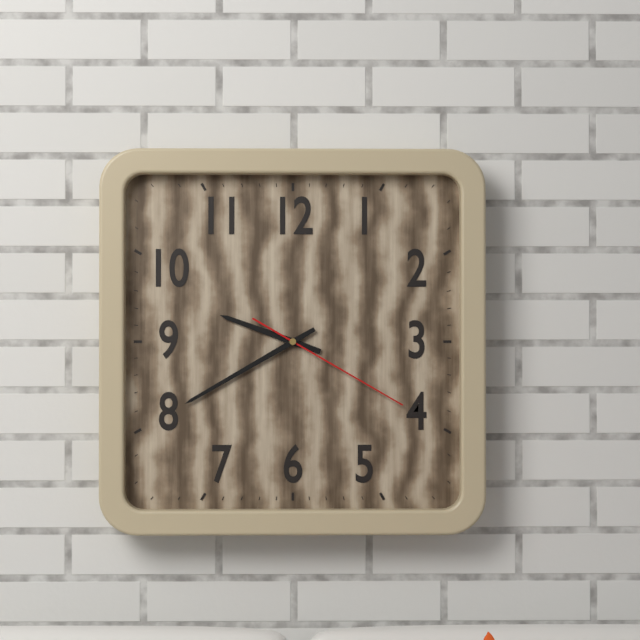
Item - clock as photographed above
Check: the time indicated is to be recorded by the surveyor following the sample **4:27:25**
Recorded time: **9:40:20**
